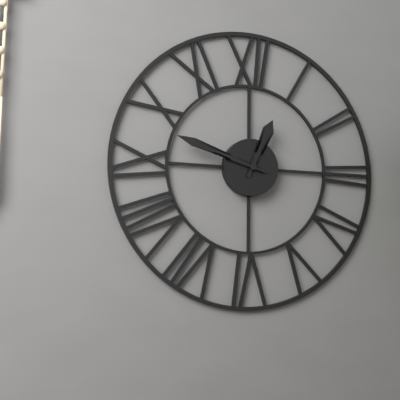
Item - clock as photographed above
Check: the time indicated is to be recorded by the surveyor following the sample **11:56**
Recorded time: **12:48**
